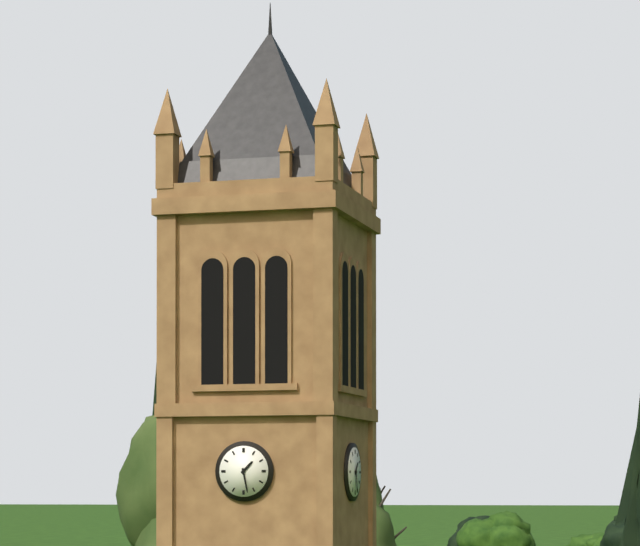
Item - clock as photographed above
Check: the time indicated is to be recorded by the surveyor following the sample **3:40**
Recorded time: **1:28**
